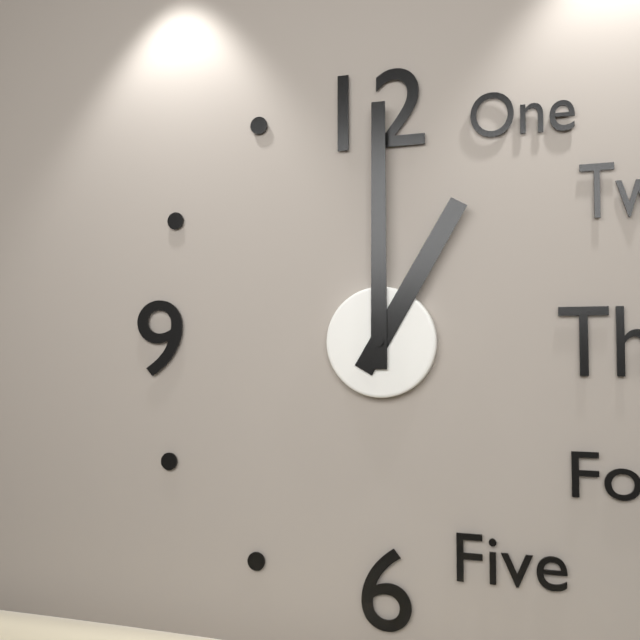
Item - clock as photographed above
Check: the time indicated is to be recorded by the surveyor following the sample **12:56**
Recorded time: **1:00**
